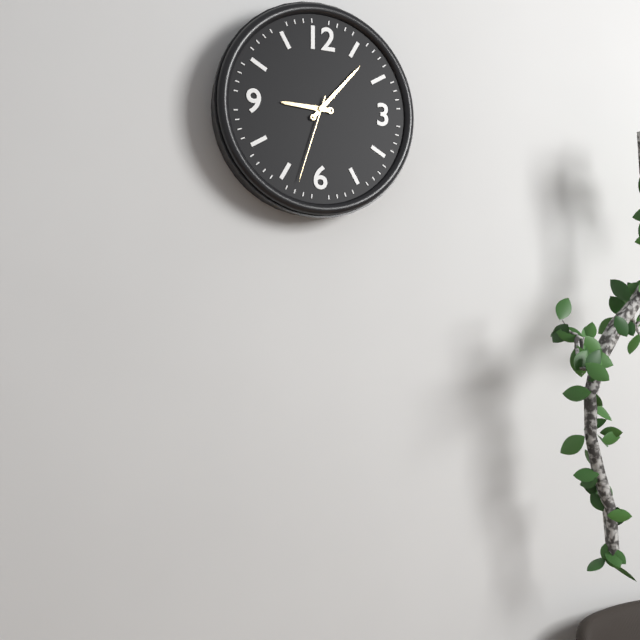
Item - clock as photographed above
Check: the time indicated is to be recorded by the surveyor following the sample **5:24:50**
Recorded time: **9:07:33**
